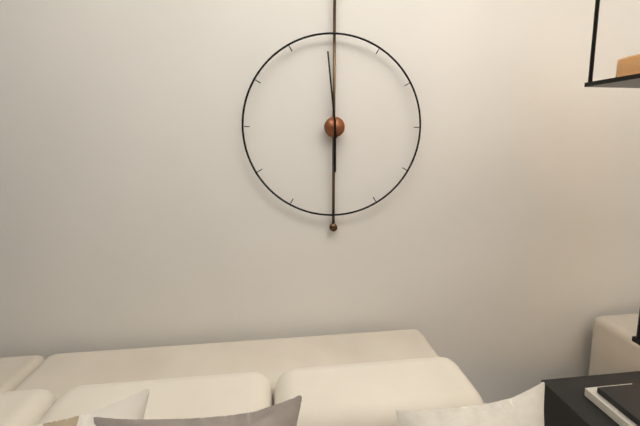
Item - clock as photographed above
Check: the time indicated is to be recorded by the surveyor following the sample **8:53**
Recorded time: **5:59**
